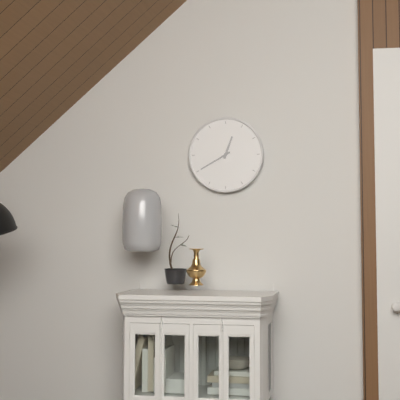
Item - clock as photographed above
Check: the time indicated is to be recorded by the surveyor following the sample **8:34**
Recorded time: **12:40**
